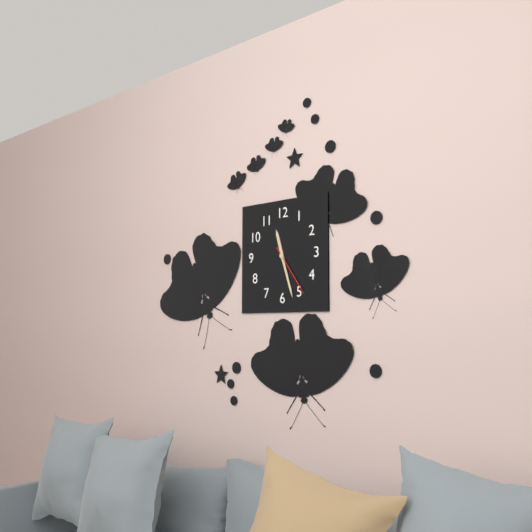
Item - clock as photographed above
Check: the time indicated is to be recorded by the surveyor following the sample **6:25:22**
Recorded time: **11:27:24**
